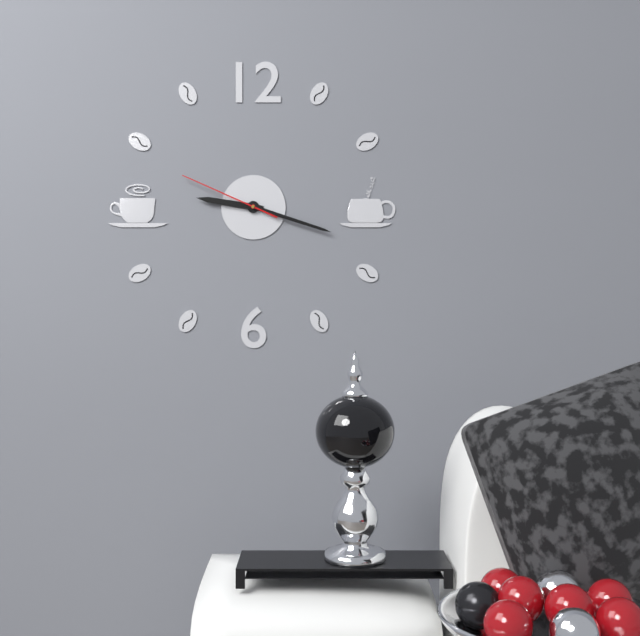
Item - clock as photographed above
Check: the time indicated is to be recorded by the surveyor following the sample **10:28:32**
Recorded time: **9:18:49**
